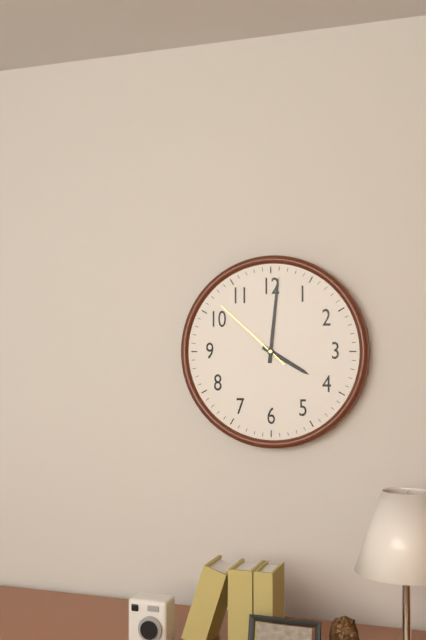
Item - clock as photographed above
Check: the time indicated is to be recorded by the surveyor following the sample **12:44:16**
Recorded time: **4:01:52**
